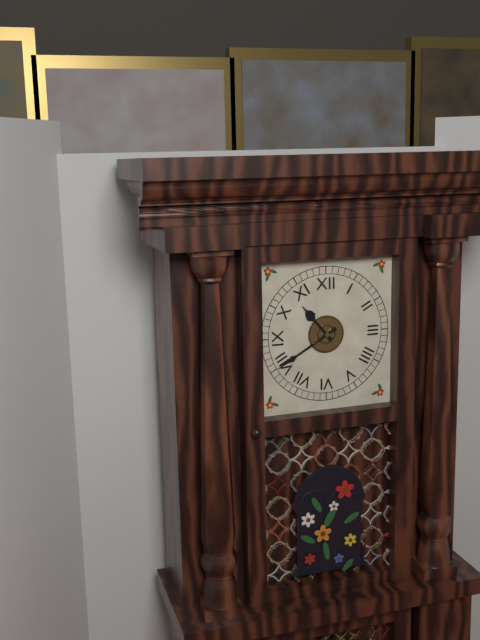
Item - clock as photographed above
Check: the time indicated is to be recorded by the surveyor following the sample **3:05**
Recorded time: **10:40**
